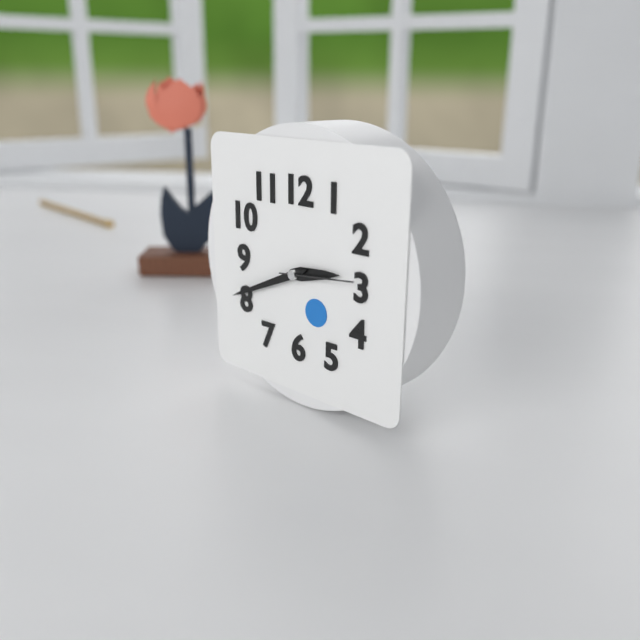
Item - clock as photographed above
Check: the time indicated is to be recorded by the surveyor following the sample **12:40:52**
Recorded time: **2:41:14**
